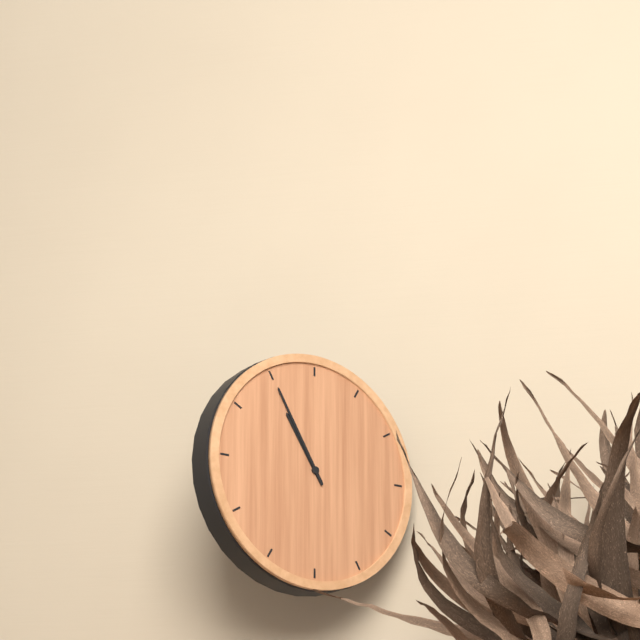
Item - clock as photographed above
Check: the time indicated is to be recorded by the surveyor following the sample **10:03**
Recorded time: **10:55**
